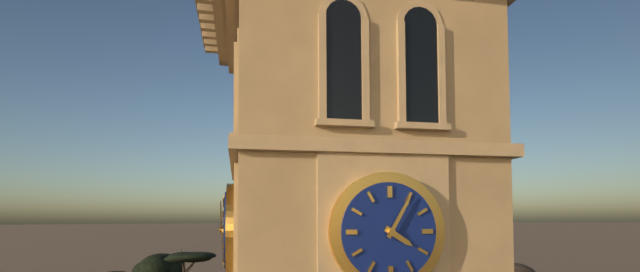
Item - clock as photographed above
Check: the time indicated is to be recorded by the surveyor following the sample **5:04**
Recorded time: **4:05**
